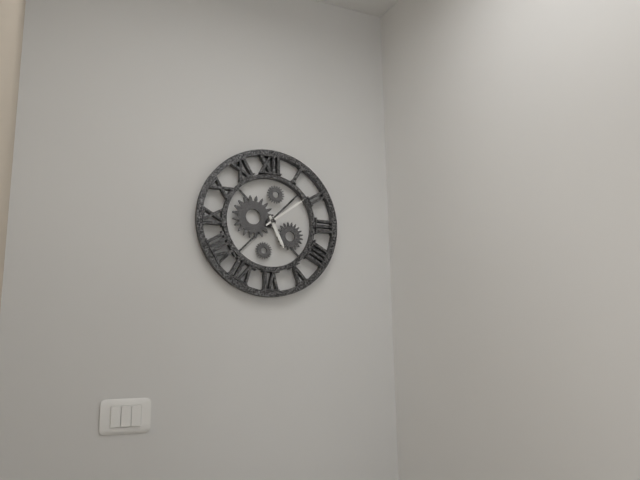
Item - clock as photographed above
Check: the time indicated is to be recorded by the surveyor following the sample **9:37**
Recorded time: **5:09**
